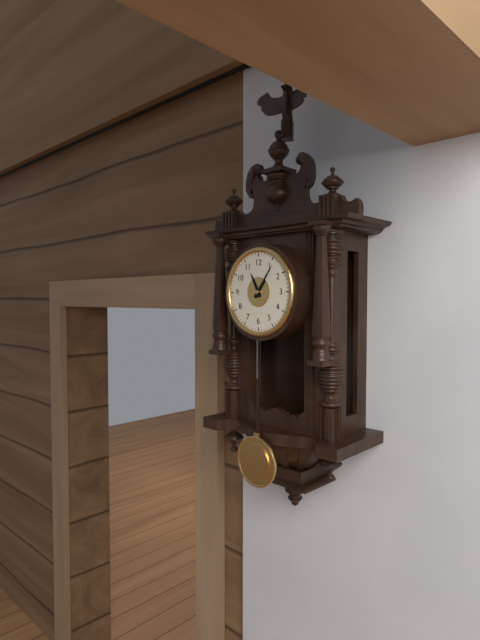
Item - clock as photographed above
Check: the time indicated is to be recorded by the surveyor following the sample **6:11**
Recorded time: **11:06**
